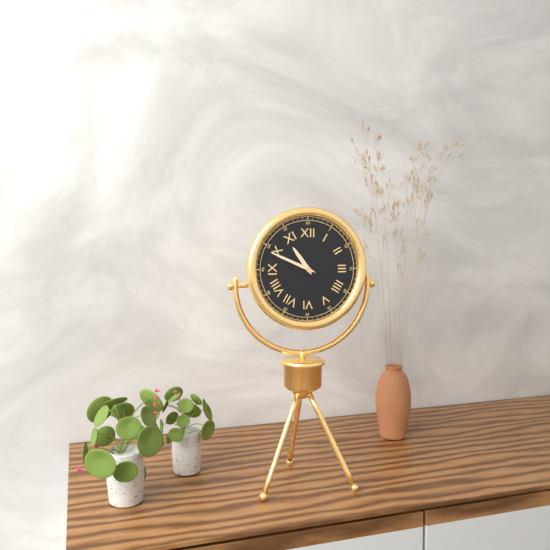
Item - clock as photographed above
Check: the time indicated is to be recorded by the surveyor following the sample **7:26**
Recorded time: **10:49**
